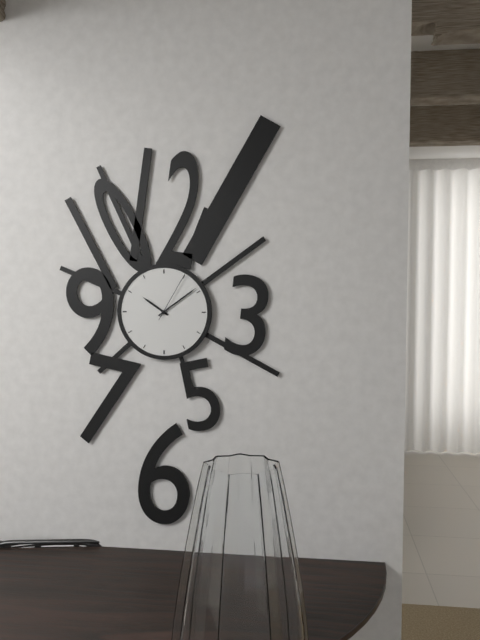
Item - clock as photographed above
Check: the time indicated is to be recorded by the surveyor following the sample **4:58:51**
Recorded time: **10:09:05**
